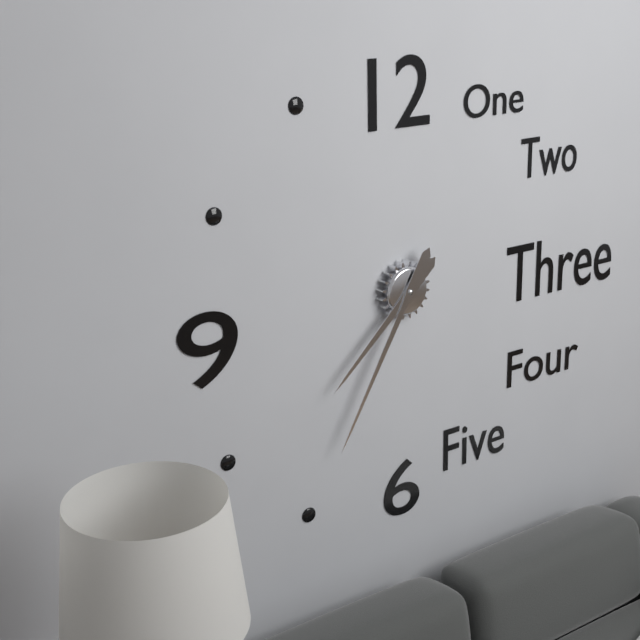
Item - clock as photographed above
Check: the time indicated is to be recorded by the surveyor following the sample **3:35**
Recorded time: **7:35**
